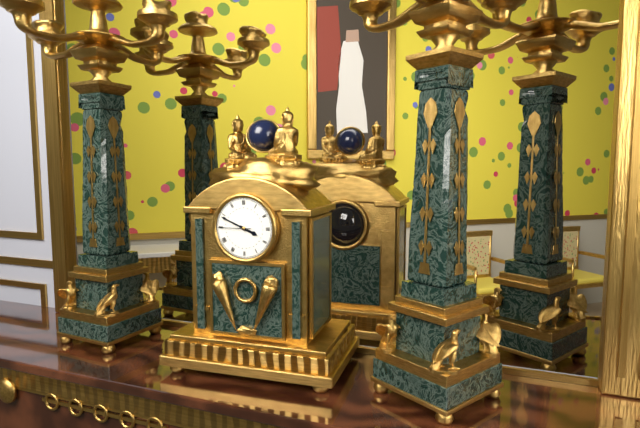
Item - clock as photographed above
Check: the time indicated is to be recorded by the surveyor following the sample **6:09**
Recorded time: **3:49**
